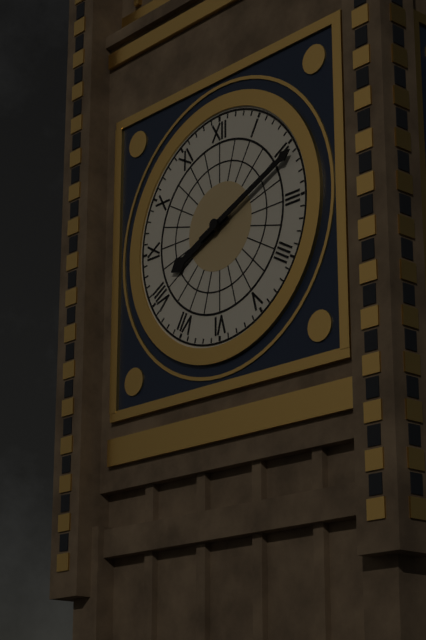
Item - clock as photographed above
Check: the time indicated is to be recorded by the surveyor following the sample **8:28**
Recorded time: **8:11**
